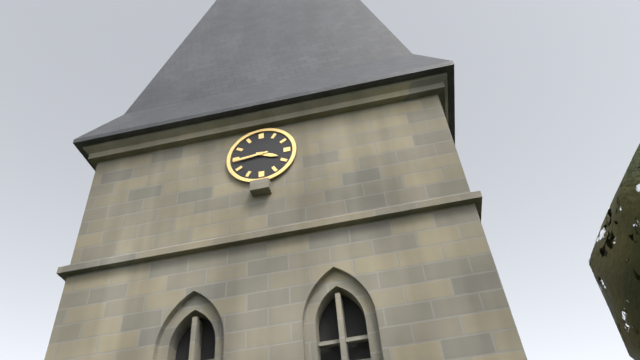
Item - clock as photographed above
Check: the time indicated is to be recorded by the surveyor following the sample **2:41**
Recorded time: **3:44**
